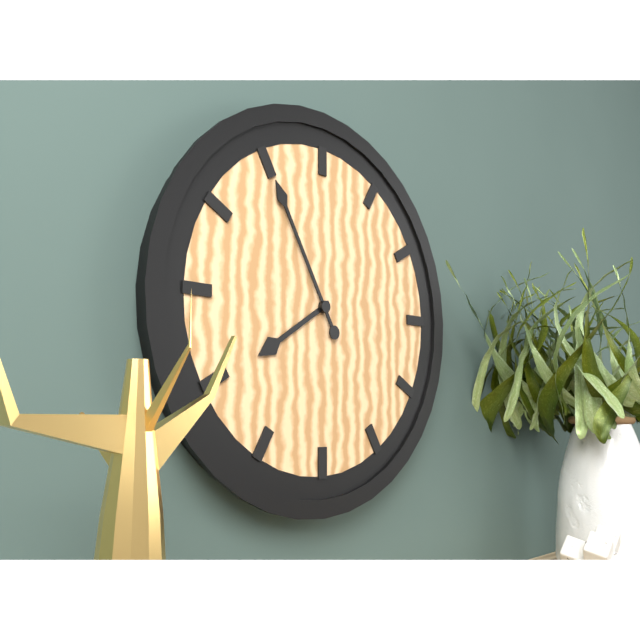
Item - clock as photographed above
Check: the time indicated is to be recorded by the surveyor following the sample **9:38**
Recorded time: **7:55**
